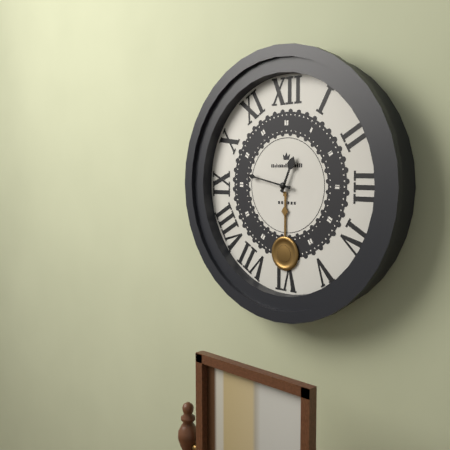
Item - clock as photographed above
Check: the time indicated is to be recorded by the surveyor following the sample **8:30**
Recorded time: **12:47**
